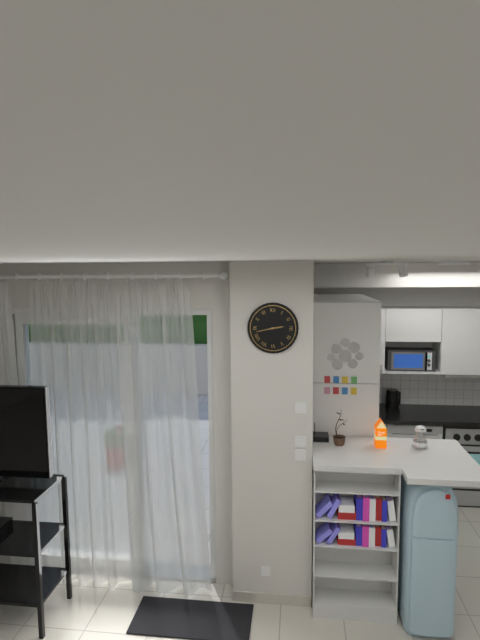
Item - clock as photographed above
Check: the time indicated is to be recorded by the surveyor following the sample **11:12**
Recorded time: **2:43**
